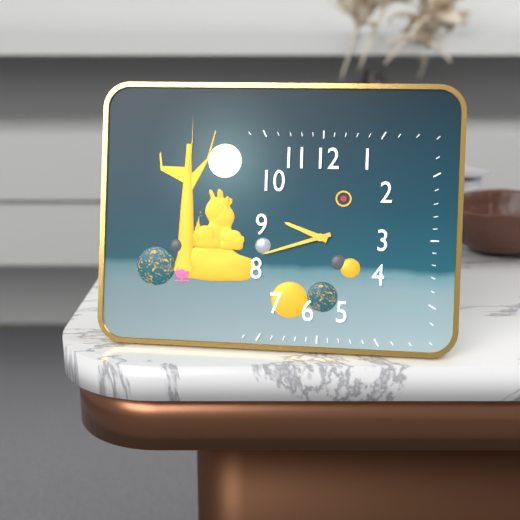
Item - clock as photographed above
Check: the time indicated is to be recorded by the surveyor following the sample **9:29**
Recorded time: **9:42**
